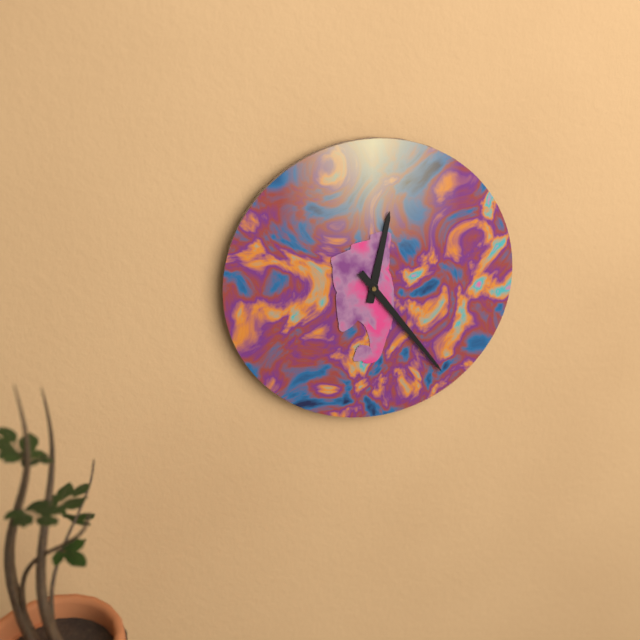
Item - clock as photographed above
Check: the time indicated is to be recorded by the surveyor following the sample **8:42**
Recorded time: **12:24**
